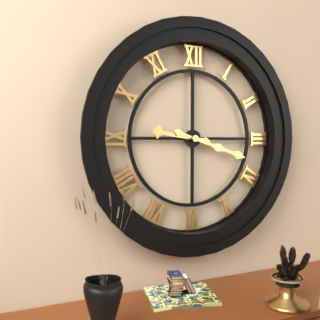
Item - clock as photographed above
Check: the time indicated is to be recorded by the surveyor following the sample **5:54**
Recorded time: **9:18**
